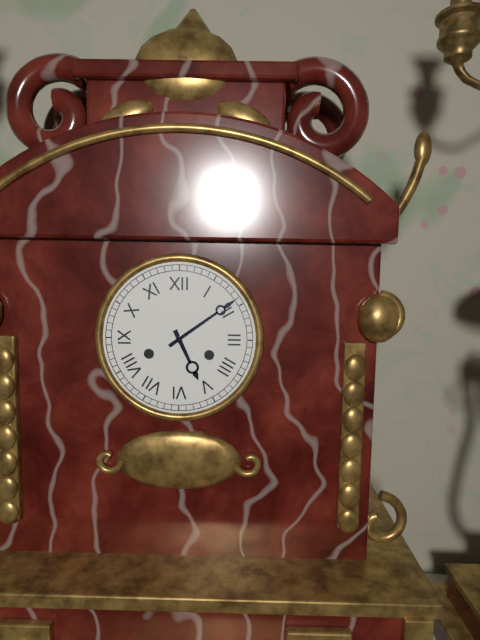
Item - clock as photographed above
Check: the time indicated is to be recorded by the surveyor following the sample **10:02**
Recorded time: **5:09**
